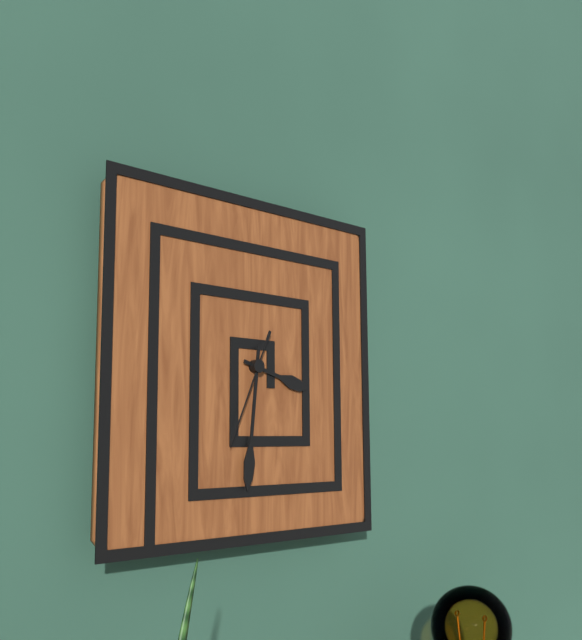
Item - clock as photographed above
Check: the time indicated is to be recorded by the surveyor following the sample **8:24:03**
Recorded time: **3:31:34**
